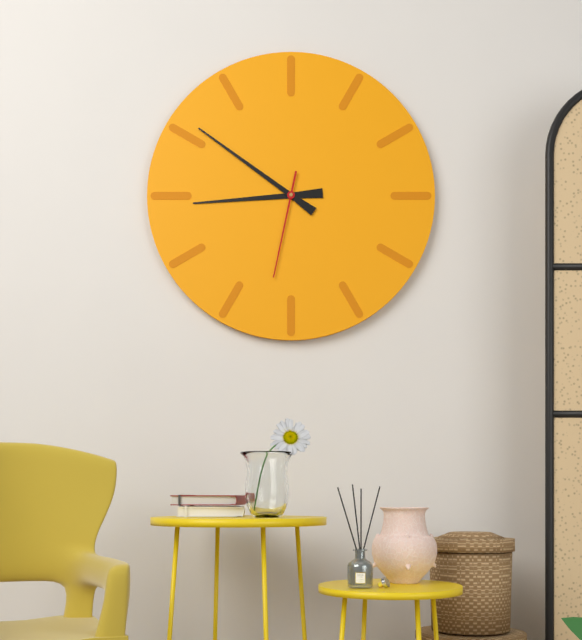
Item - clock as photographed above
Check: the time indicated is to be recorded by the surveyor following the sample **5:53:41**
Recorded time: **8:51:32**
